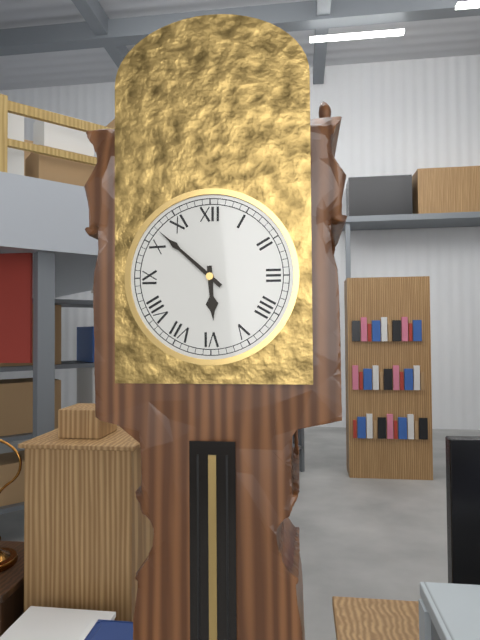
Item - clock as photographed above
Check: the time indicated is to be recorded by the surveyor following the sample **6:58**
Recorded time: **5:52**
